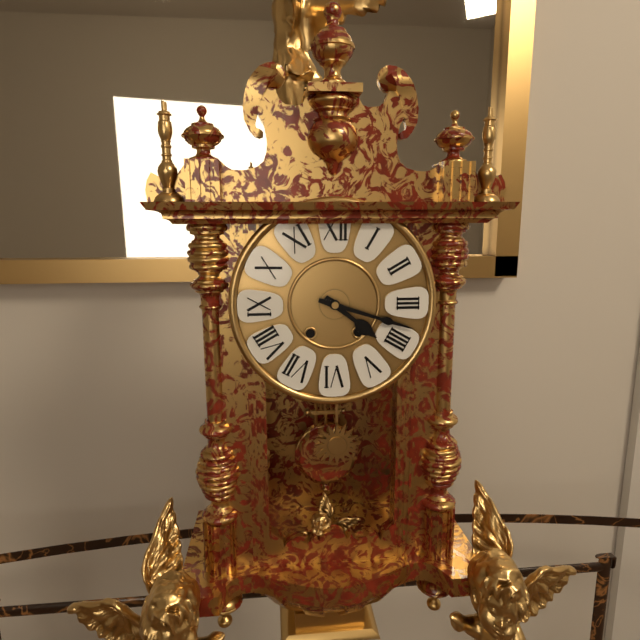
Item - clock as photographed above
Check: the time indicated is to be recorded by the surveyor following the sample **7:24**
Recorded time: **4:18**
